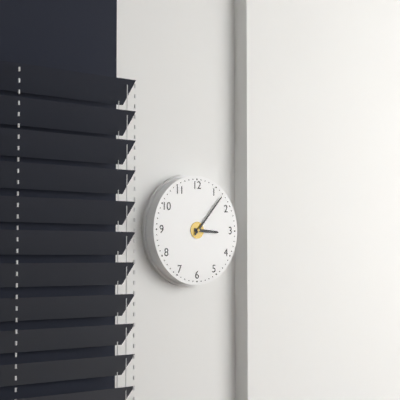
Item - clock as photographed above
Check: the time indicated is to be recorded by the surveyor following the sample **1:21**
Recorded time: **3:07**
